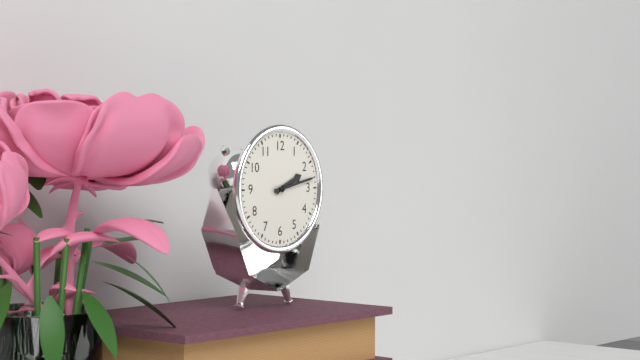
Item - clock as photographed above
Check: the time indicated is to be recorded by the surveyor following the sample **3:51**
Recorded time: **2:13**
